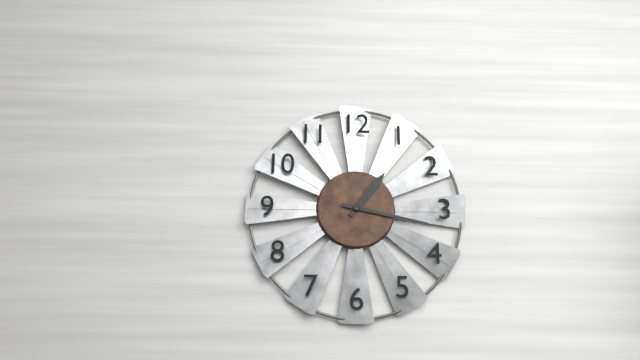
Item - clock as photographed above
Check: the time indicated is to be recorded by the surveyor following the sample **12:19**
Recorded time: **1:17**
